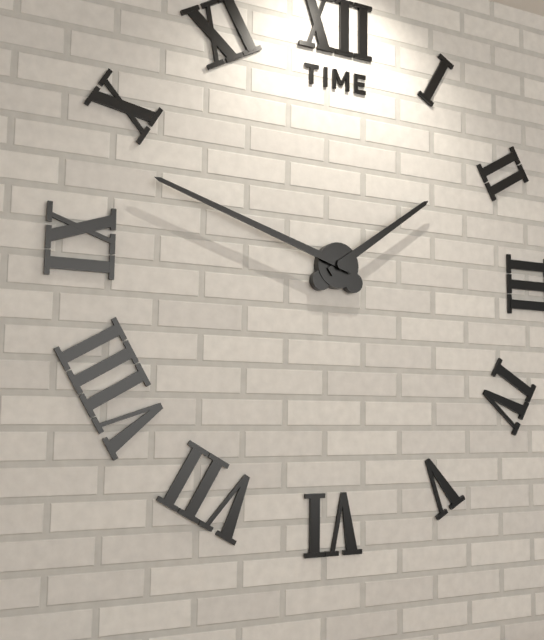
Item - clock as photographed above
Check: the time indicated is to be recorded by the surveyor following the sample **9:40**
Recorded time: **1:48**
